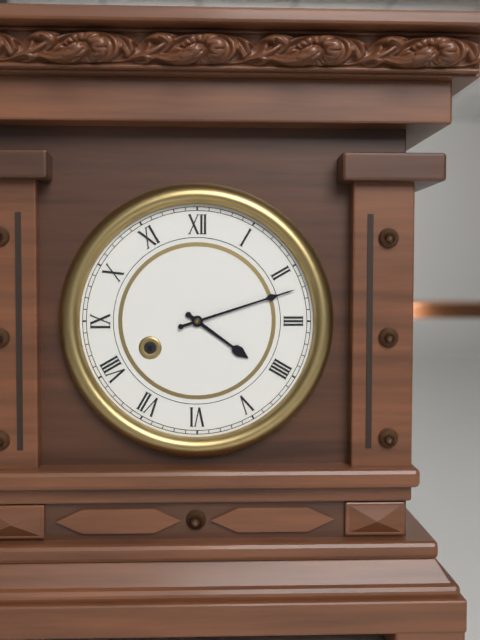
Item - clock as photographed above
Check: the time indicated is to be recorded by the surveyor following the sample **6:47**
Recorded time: **4:12**
